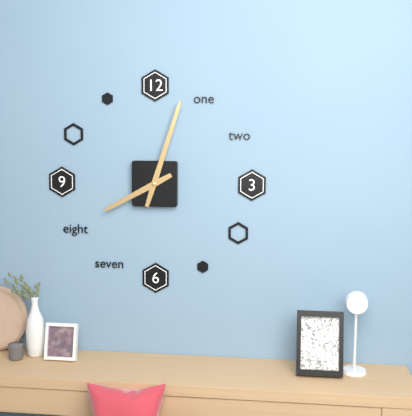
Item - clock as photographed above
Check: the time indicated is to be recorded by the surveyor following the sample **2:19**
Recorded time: **8:03**
